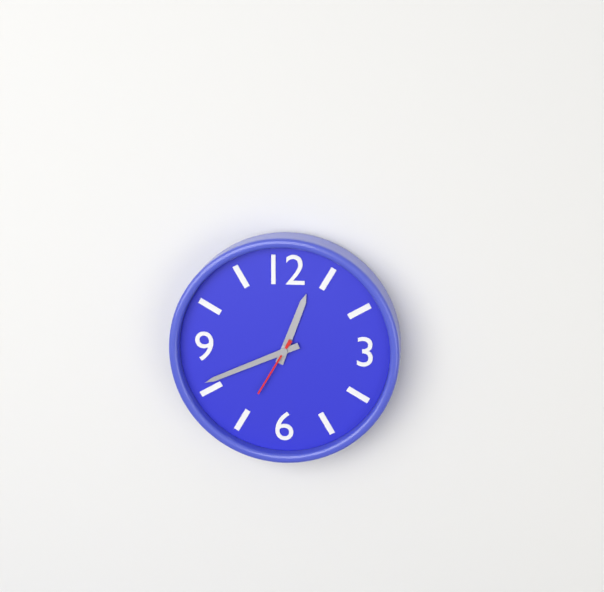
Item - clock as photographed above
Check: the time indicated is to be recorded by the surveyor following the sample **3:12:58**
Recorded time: **12:41:35**
